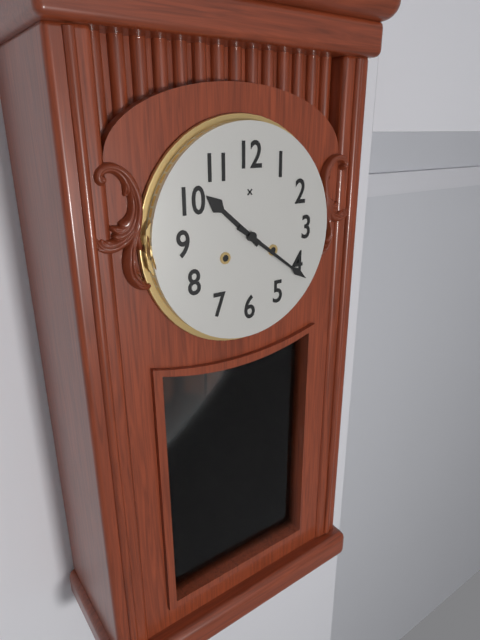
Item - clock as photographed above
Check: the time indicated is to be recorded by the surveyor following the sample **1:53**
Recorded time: **10:21**
